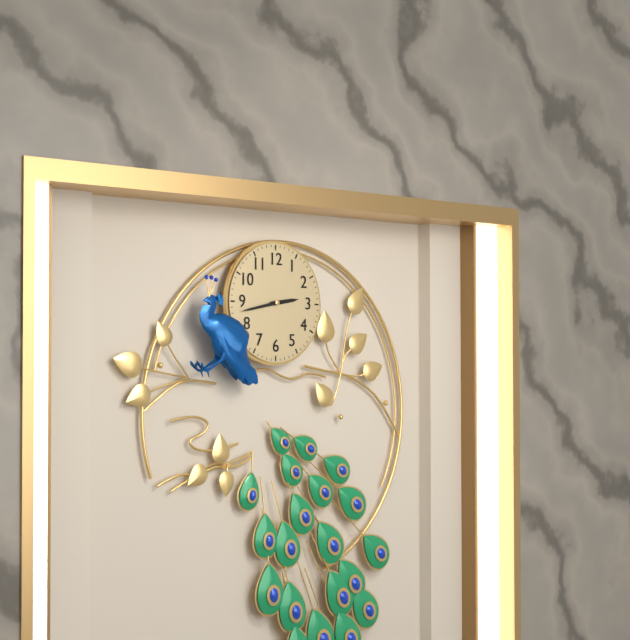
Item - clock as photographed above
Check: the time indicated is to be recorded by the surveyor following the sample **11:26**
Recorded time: **2:43**
